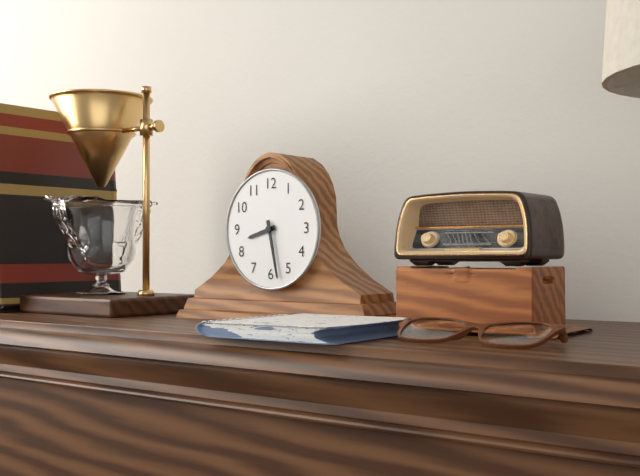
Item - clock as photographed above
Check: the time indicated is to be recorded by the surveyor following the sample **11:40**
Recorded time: **8:28**
